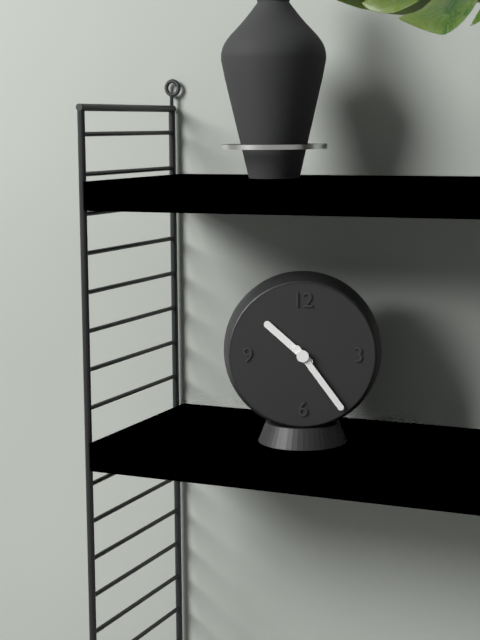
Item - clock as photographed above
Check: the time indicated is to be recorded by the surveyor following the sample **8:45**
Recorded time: **10:24**
